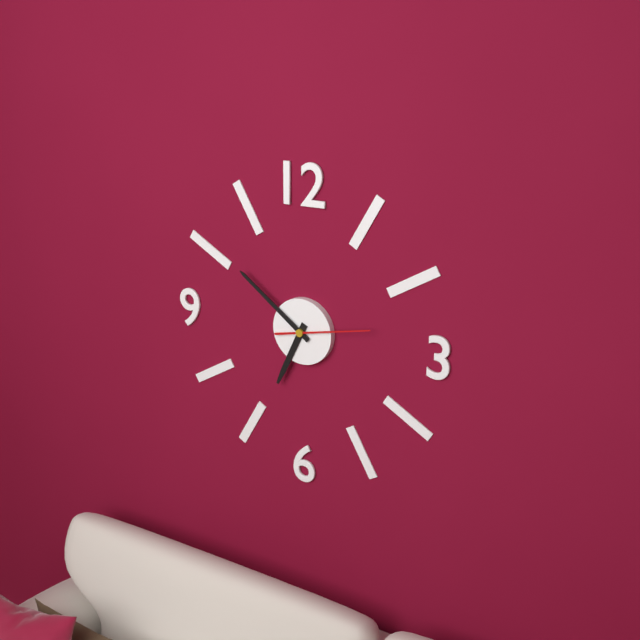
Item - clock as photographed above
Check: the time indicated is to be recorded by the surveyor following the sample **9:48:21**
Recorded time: **6:51:13**
